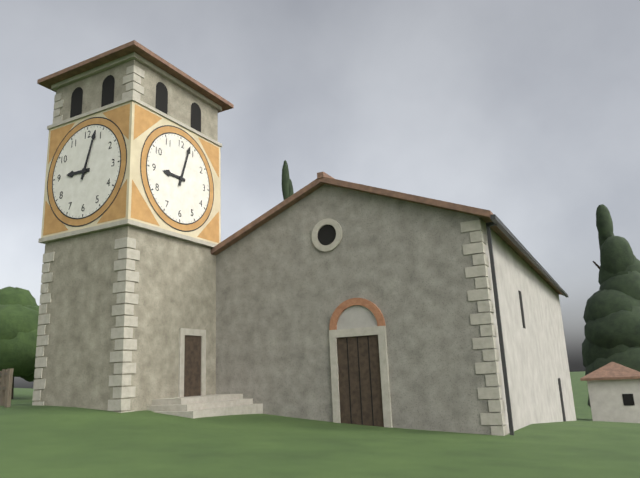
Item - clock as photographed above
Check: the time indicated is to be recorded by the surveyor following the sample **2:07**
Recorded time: **9:03**
